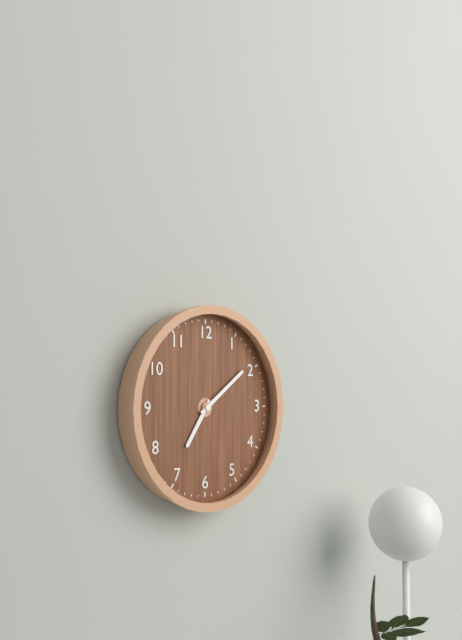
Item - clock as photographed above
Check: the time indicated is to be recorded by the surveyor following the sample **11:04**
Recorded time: **7:09**
